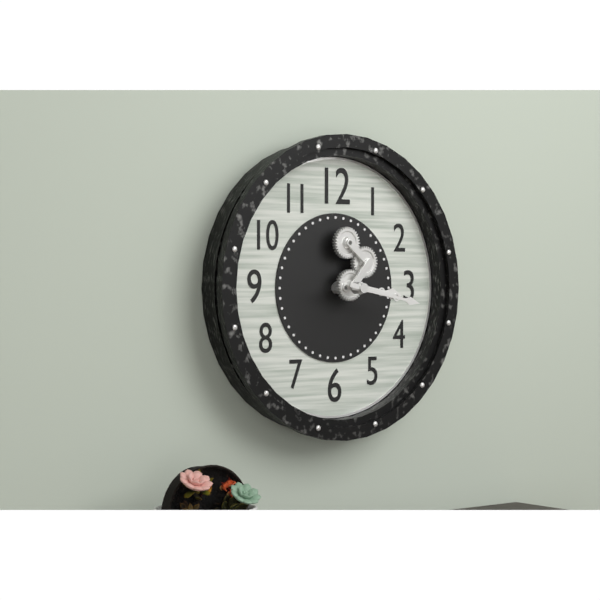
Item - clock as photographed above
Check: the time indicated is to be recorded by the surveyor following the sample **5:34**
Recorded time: **3:17**
